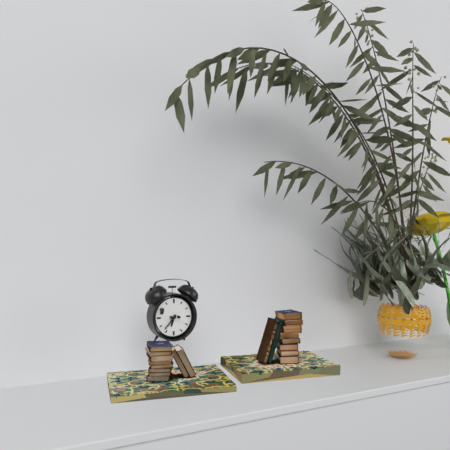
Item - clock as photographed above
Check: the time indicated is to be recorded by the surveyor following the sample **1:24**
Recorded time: **6:37**
